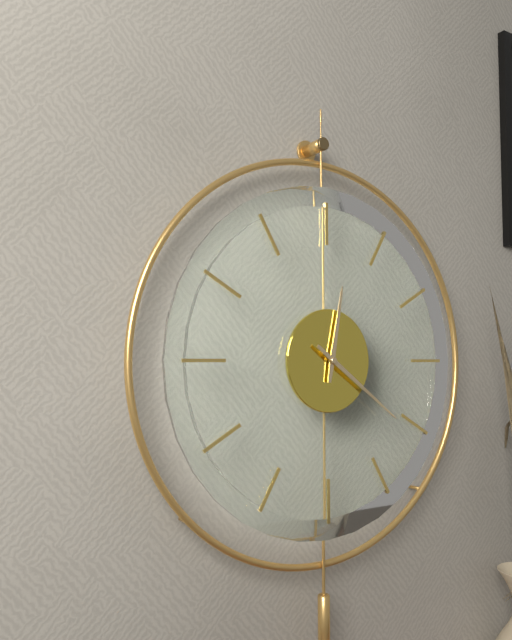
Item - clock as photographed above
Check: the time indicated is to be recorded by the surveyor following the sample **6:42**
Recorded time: **12:21**
